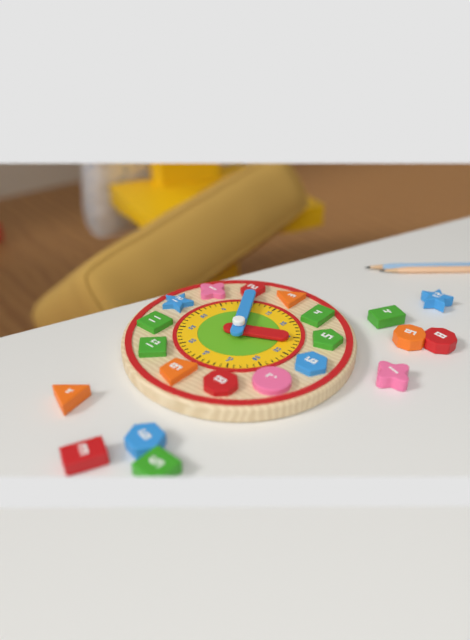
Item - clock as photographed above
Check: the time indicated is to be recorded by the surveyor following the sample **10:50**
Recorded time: **5:10**
